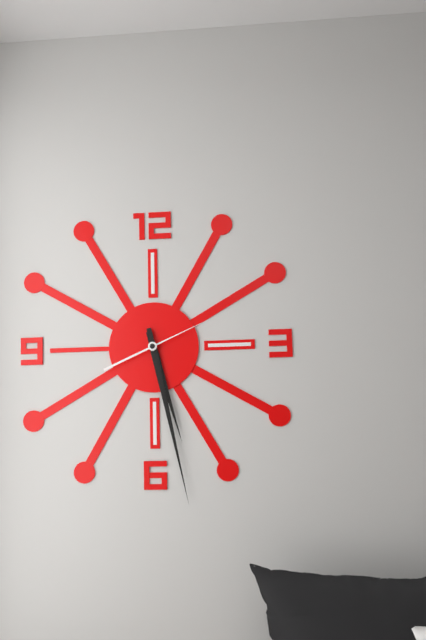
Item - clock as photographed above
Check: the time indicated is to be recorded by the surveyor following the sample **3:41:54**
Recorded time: **5:28:11**
